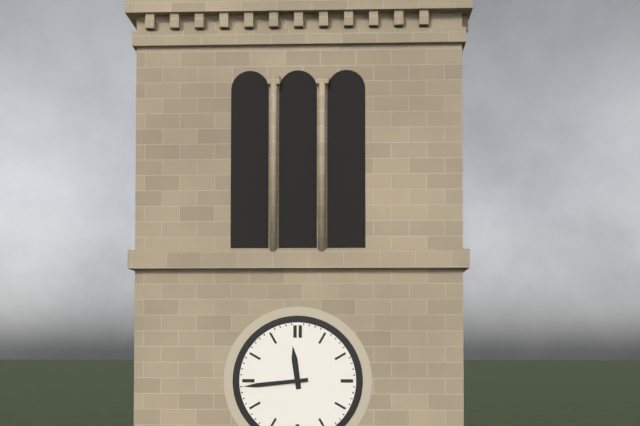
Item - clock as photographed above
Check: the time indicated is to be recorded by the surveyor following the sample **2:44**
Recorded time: **11:44**
